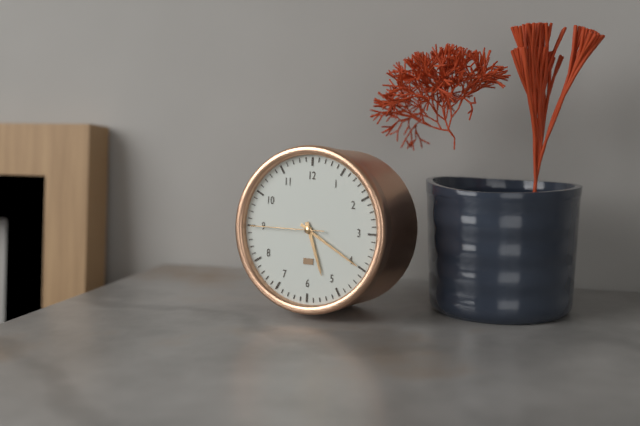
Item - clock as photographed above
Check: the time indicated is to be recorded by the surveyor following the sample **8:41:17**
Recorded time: **5:20:45**
